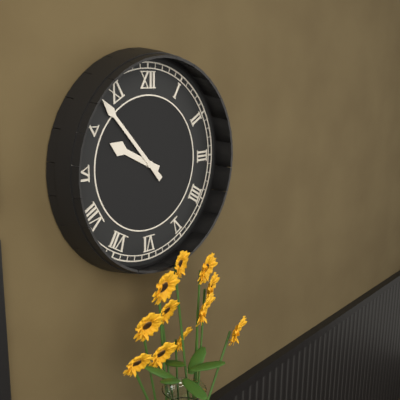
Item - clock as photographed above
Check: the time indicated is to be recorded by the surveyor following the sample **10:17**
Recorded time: **9:53**
